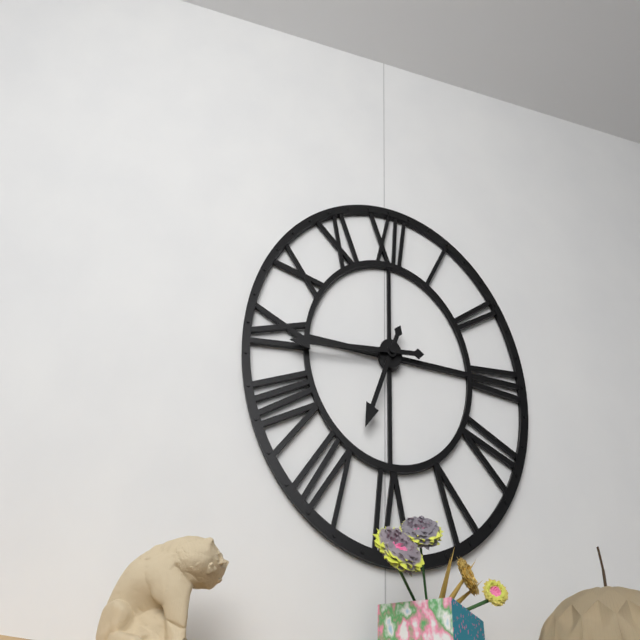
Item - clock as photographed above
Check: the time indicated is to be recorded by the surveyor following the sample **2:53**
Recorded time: **6:44**
